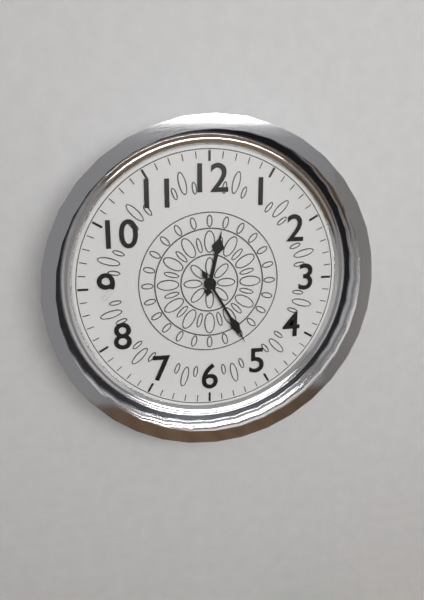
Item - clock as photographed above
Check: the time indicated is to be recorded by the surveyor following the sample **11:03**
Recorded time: **12:25**
